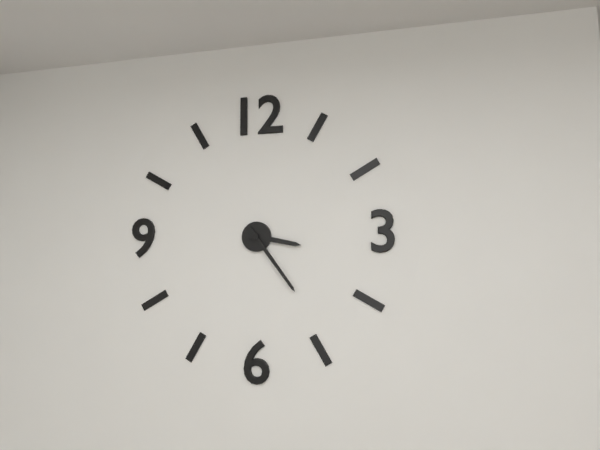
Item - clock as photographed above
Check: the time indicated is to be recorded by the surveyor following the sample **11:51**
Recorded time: **3:24**
